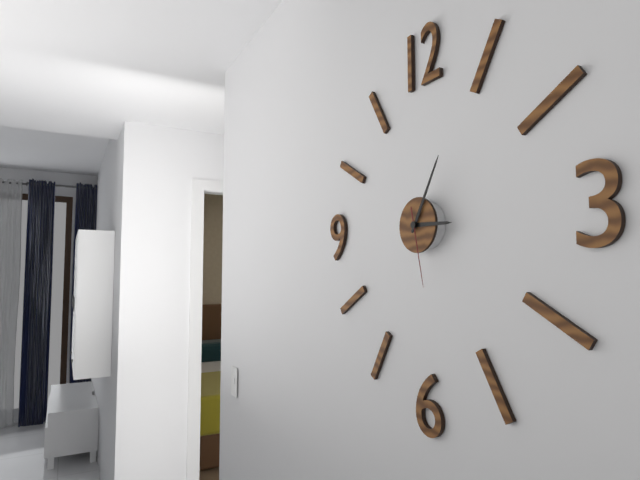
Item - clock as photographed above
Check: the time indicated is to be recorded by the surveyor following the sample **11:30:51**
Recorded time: **3:05:28**
